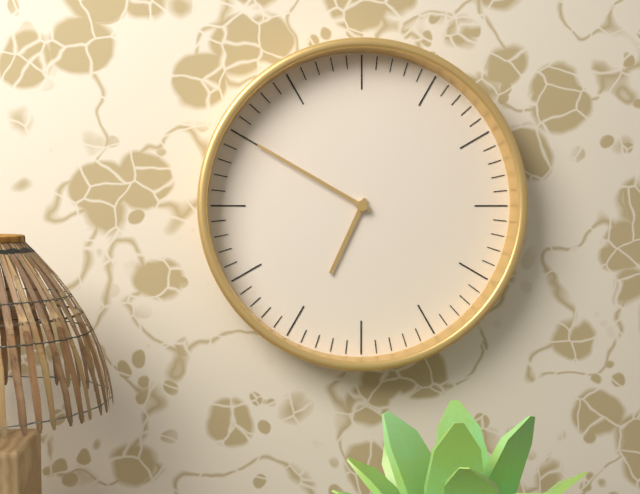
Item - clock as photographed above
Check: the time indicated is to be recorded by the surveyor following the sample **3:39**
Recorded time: **6:50**
